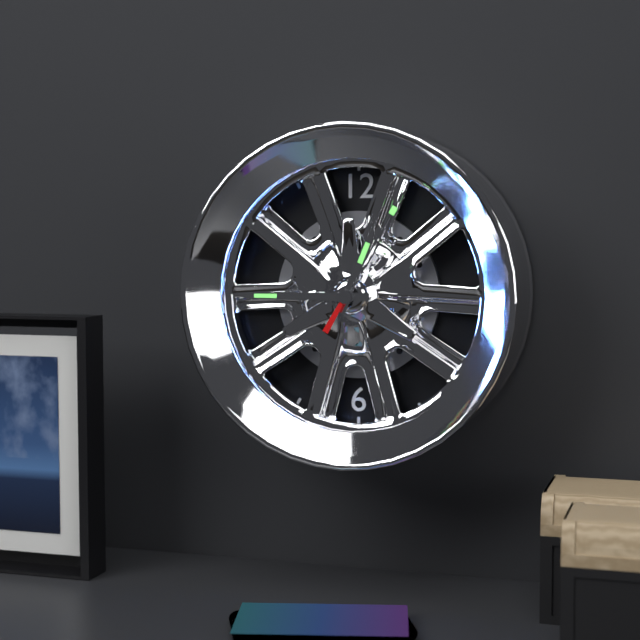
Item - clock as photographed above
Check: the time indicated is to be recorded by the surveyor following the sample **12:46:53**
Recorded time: **12:45:05**
